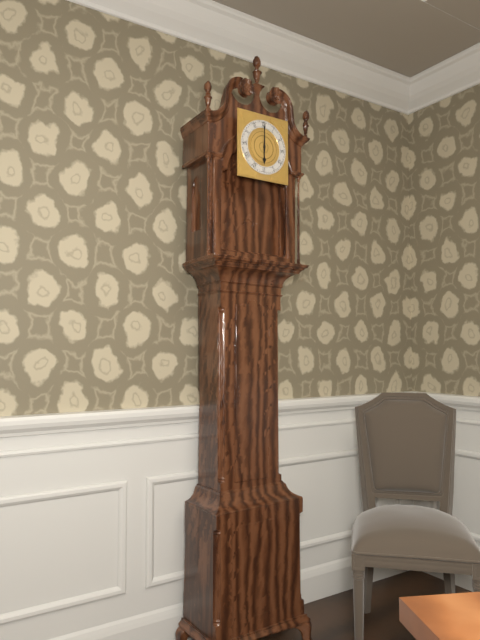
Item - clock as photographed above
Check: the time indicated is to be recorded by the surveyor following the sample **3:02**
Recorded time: **6:00**
